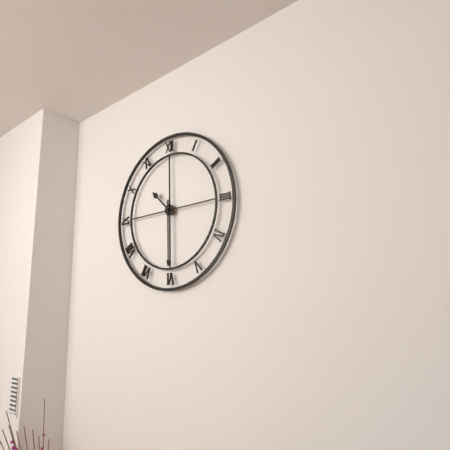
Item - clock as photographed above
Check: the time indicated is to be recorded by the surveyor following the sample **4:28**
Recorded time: **10:30**
